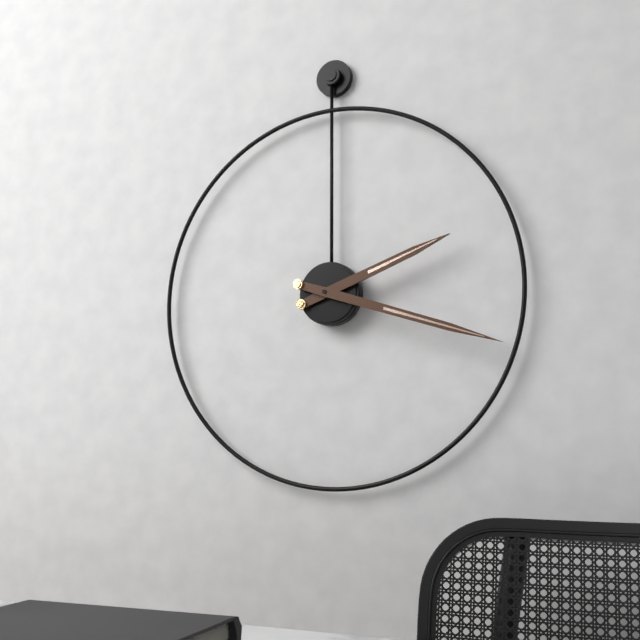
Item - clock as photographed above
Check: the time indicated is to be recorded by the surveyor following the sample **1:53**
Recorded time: **2:18**
